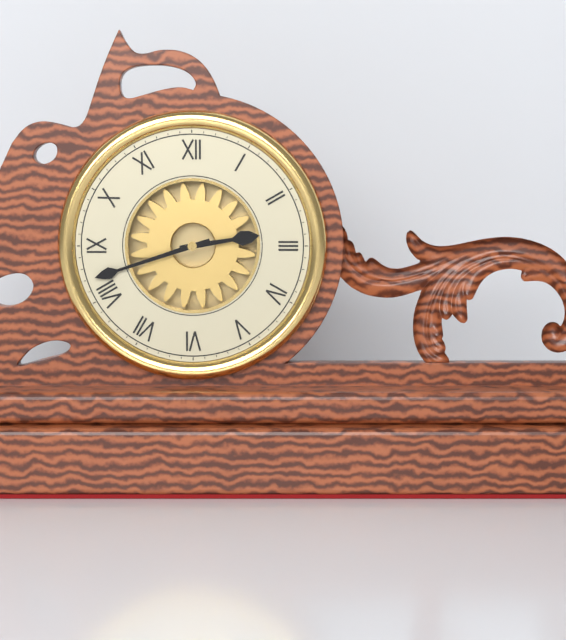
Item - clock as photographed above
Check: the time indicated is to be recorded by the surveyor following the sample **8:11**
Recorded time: **2:42**
